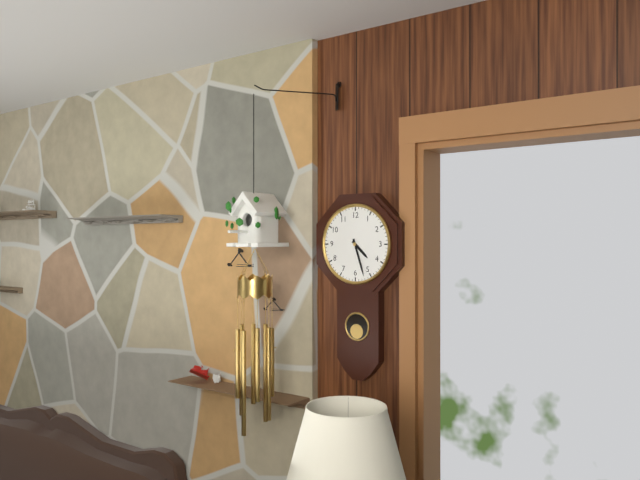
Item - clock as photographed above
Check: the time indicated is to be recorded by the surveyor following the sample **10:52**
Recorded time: **4:27**
